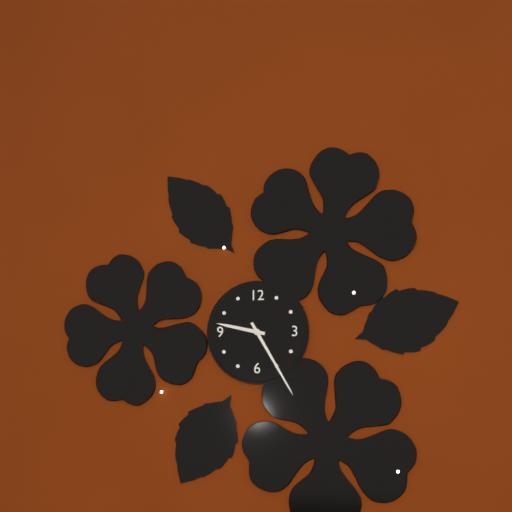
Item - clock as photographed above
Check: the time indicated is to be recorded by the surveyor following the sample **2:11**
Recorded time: **9:25**
